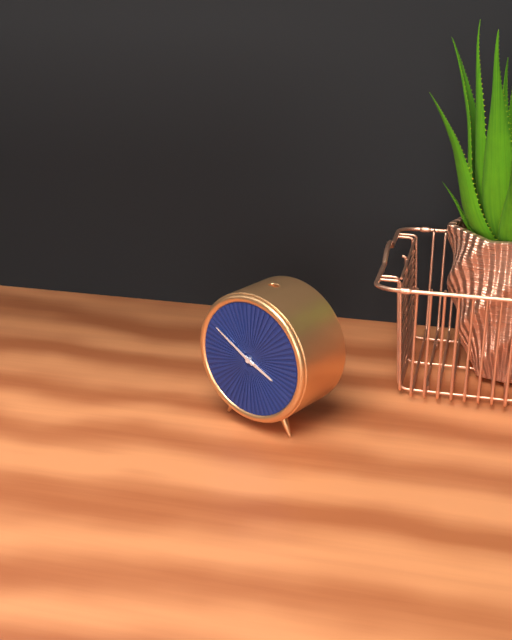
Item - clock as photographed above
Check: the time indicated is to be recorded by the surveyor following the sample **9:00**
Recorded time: **3:50**
